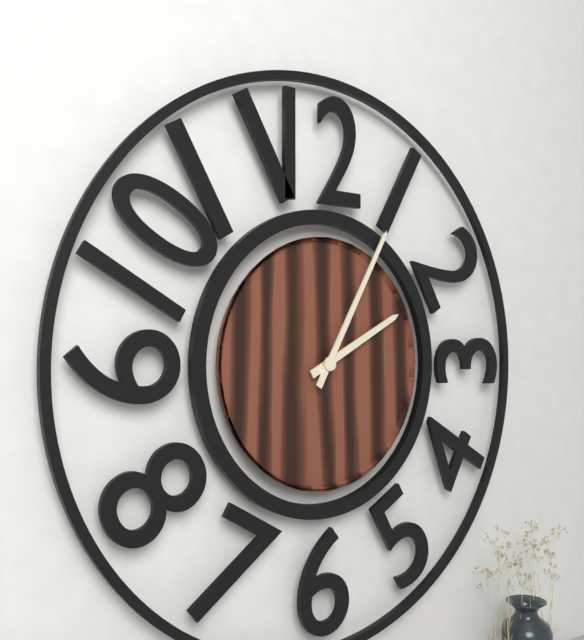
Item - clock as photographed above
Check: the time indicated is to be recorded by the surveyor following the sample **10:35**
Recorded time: **2:05**
